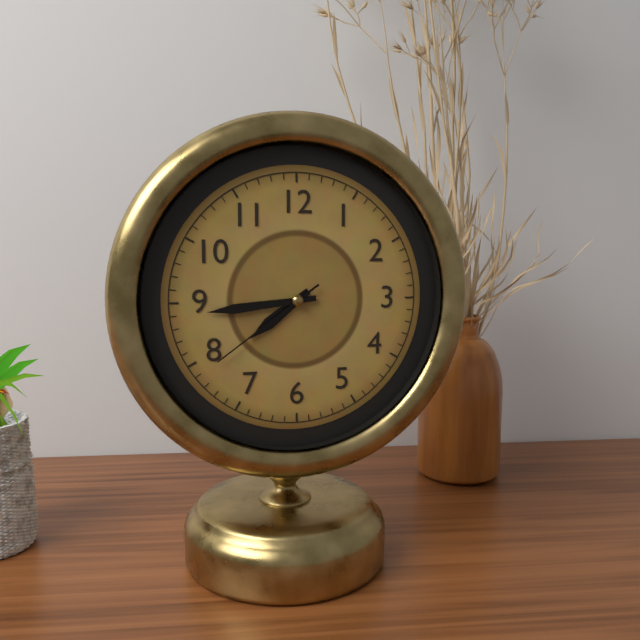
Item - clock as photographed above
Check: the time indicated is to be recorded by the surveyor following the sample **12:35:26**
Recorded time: **7:44:39**
